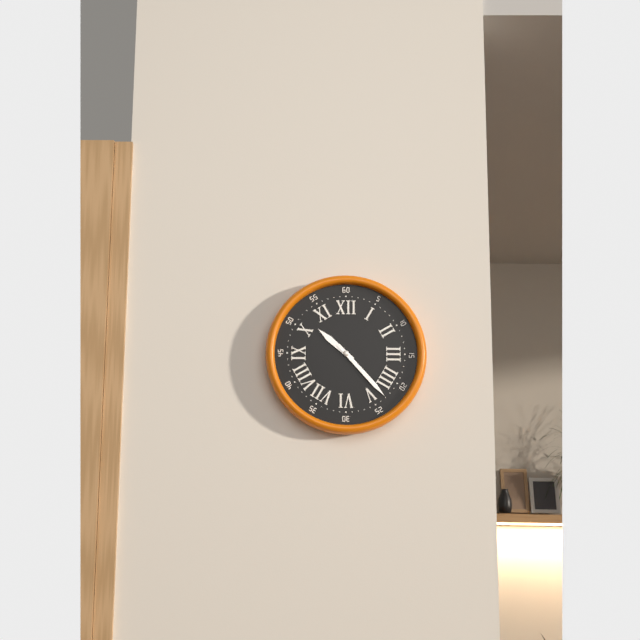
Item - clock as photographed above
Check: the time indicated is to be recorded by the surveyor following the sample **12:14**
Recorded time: **10:23**
